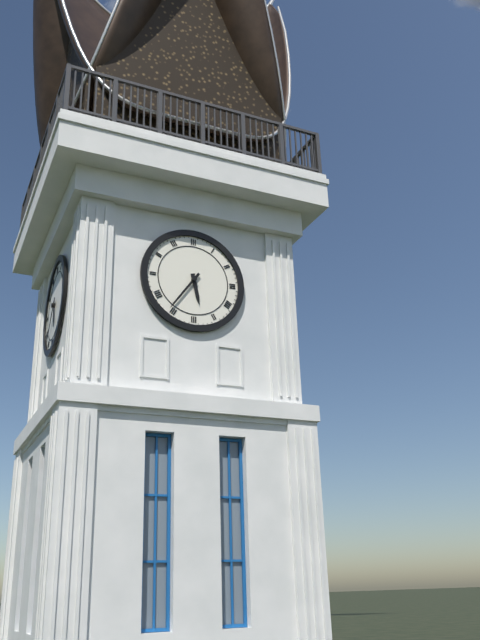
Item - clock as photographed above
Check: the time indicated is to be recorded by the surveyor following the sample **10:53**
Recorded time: **5:36**
